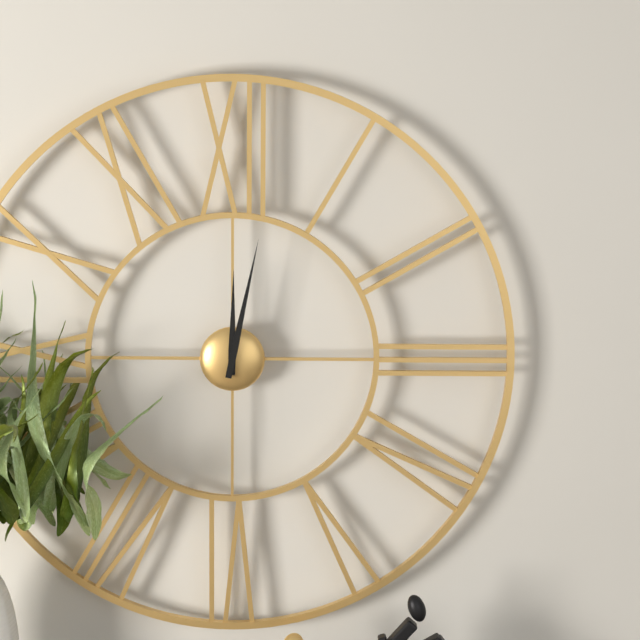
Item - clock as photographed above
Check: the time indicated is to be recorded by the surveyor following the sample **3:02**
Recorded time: **12:02**
